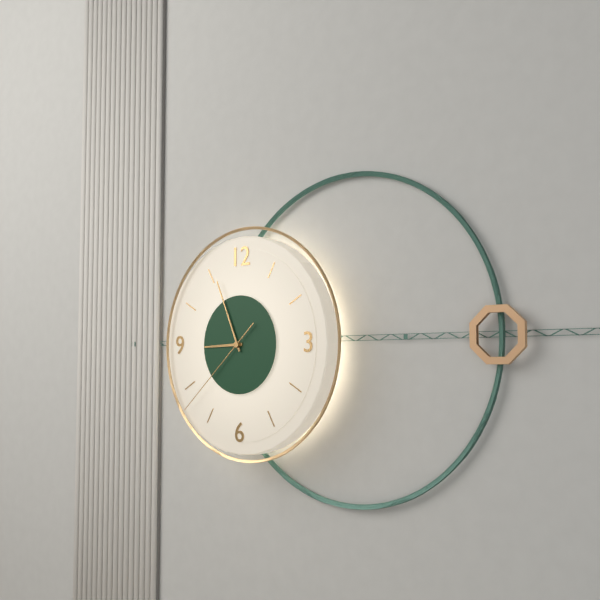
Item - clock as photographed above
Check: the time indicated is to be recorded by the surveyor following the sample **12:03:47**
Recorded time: **8:56:38**
